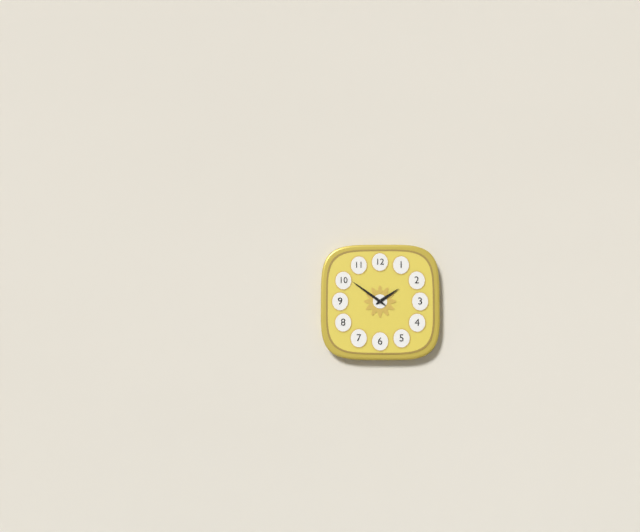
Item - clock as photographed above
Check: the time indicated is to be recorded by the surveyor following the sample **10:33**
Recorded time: **1:51**
